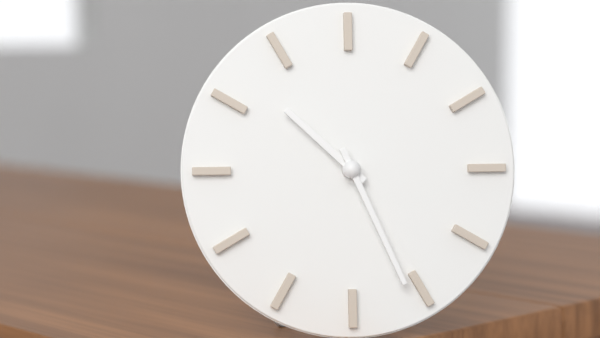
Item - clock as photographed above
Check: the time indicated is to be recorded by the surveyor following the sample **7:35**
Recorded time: **10:26**
